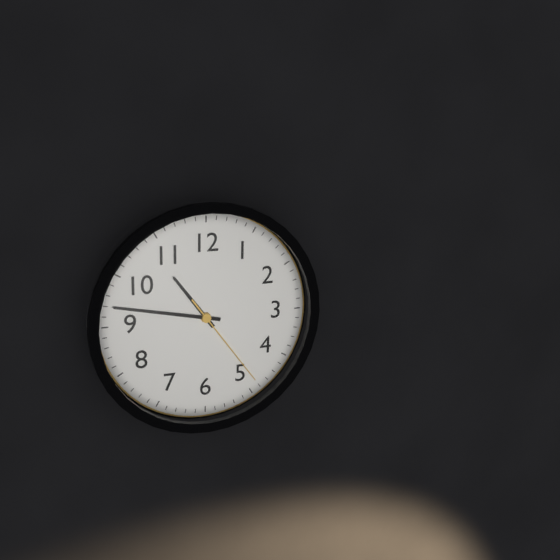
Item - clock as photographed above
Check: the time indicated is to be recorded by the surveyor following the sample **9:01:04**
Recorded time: **10:47:24**
